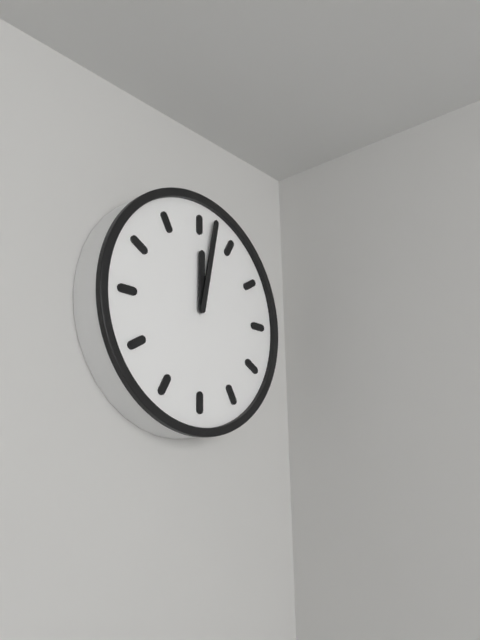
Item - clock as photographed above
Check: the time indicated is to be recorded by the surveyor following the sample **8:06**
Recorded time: **12:02**
